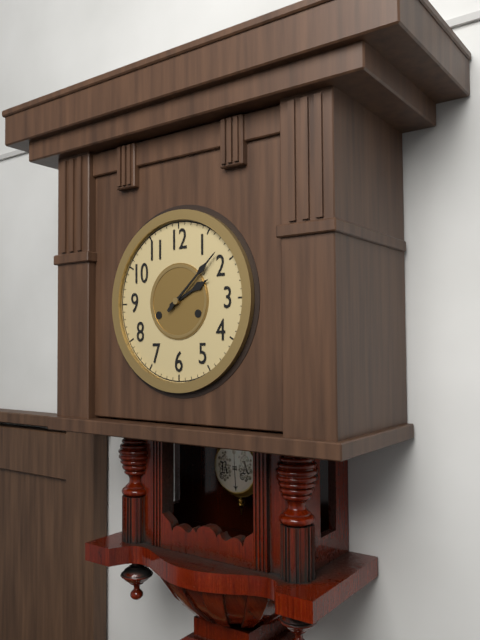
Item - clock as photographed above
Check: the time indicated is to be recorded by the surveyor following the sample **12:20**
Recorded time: **2:08**
